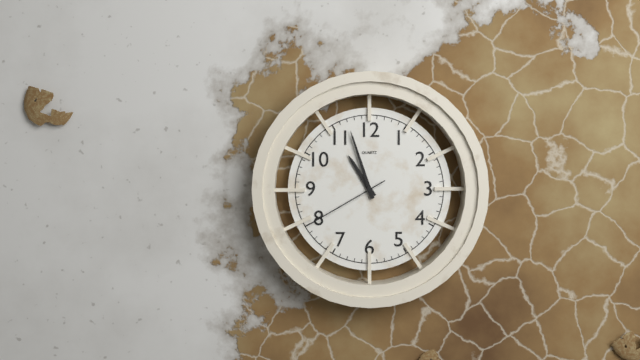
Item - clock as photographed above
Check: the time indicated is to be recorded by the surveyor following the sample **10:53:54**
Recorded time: **10:57:40**
